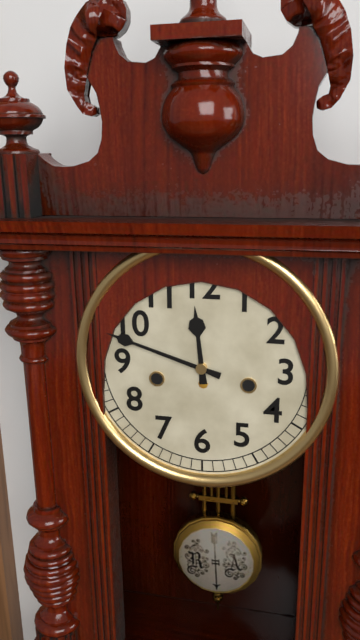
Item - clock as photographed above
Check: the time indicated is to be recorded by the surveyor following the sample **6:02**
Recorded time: **11:48**
